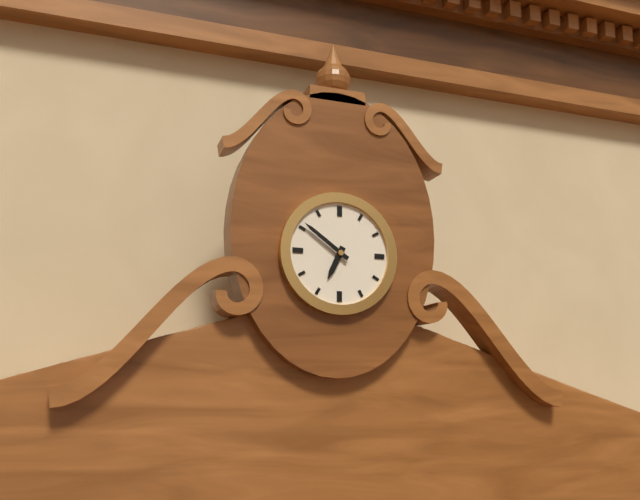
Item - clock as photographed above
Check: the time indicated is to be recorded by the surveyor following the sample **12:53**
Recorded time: **6:51**
